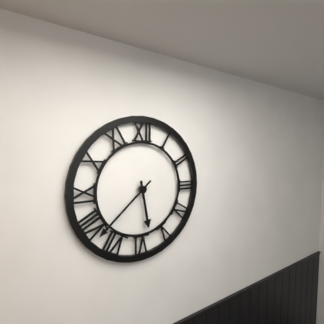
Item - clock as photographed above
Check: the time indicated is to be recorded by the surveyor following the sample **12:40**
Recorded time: **5:38**
